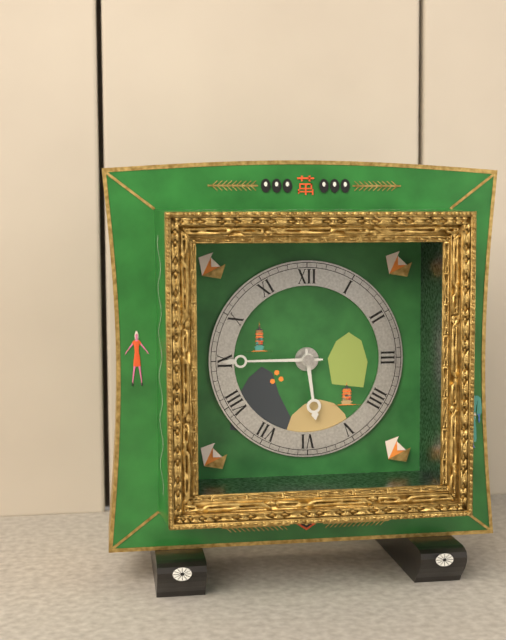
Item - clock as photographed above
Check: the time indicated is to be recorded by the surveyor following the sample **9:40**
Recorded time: **5:45**
